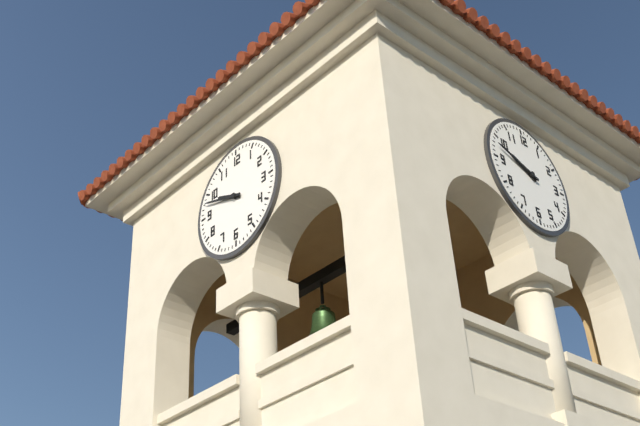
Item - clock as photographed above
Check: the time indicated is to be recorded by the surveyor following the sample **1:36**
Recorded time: **9:48**
